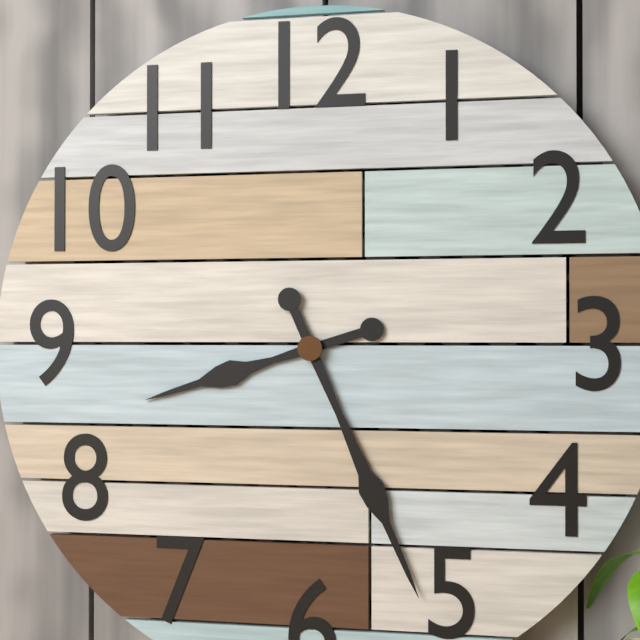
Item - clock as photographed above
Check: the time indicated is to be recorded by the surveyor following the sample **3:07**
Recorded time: **8:26**
